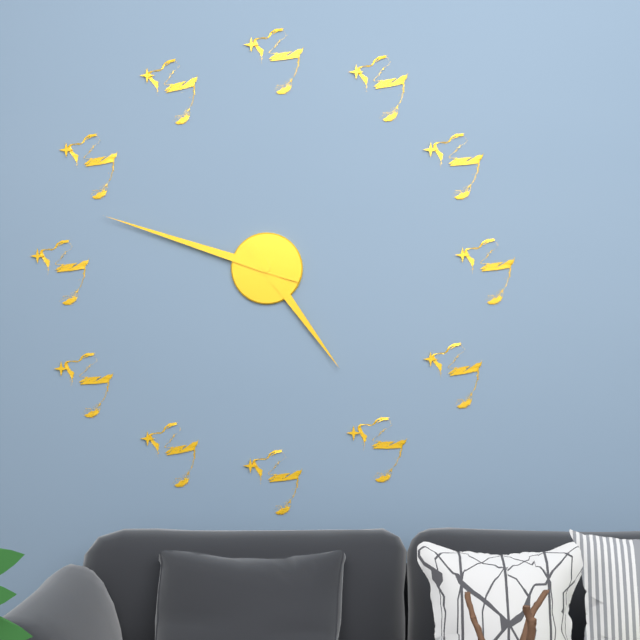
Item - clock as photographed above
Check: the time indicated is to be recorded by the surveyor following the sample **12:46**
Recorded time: **4:48**
